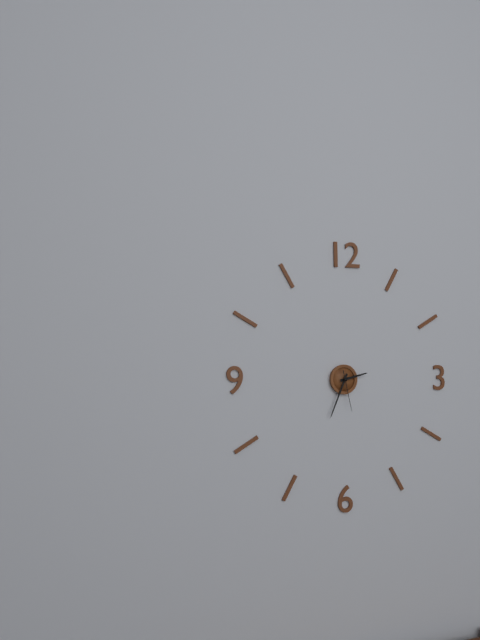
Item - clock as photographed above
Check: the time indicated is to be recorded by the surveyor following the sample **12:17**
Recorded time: **2:34**
